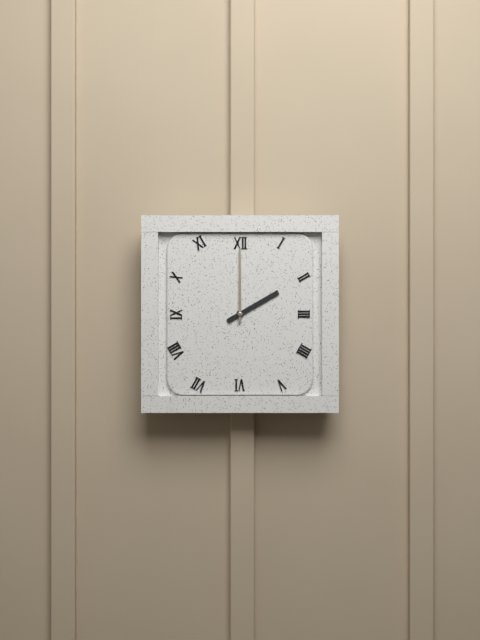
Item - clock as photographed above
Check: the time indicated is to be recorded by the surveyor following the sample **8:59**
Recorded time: **2:00**
